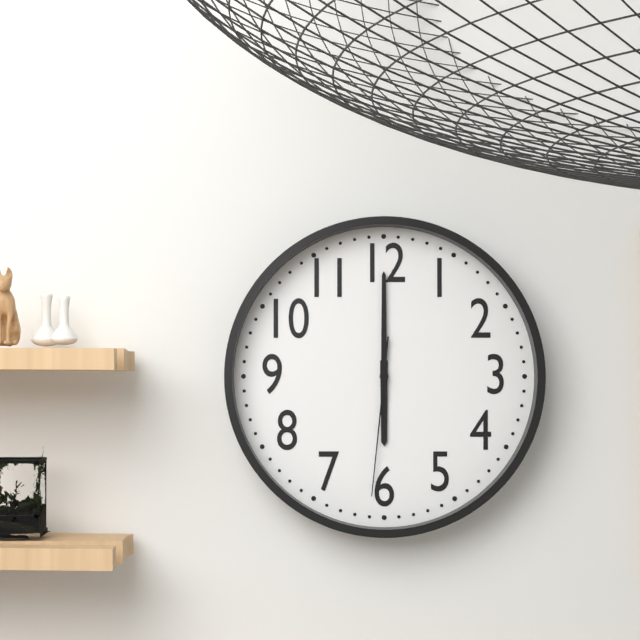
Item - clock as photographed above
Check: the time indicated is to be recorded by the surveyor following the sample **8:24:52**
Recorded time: **6:00:31**
